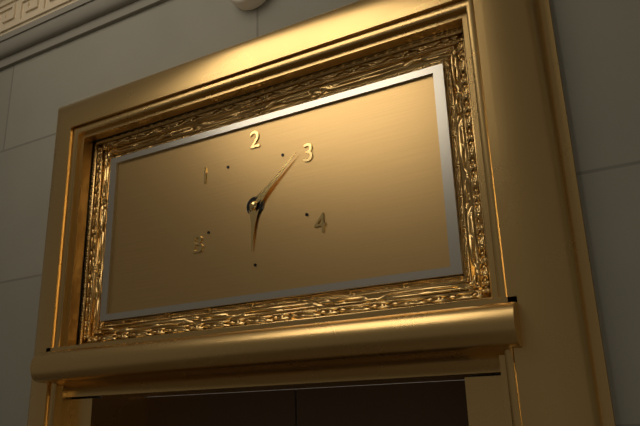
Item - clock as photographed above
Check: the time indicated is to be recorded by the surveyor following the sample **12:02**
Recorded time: **6:08**
